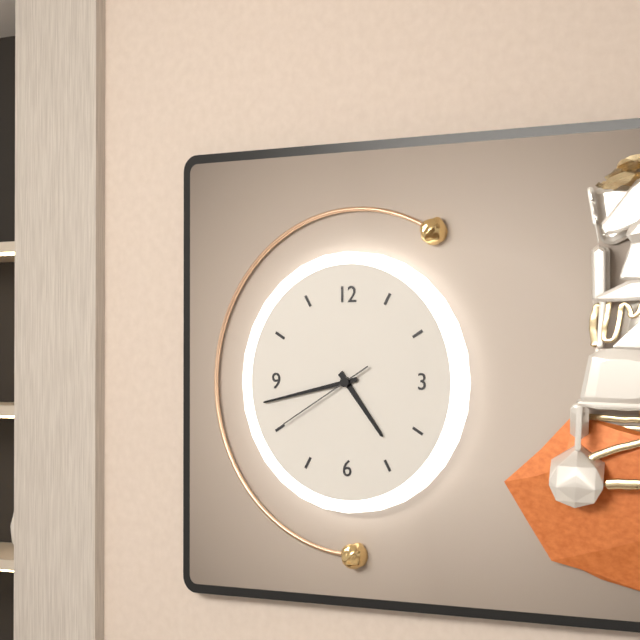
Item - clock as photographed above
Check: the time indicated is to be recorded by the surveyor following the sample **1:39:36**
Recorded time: **4:43:40**
